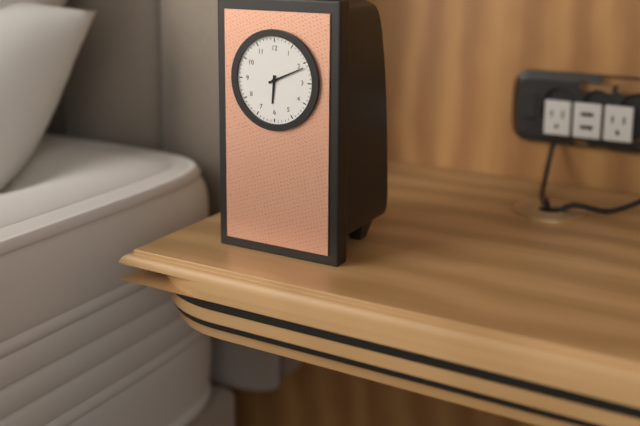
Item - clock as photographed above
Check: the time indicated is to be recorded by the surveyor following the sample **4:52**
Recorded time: **6:11**
